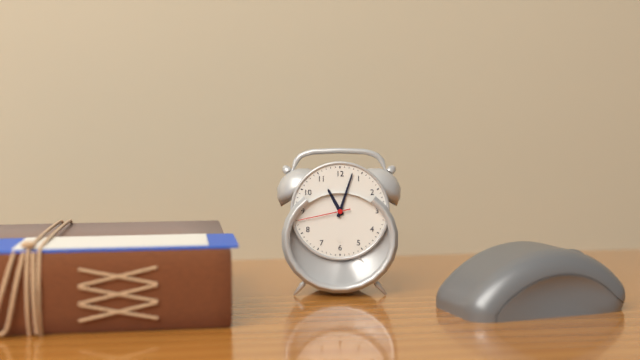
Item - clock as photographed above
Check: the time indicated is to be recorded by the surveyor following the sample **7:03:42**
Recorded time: **11:03:43**
